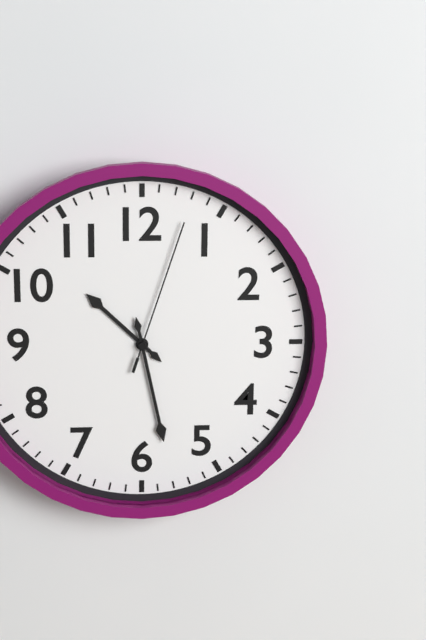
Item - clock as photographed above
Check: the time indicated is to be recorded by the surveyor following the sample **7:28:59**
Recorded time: **10:28:03**
